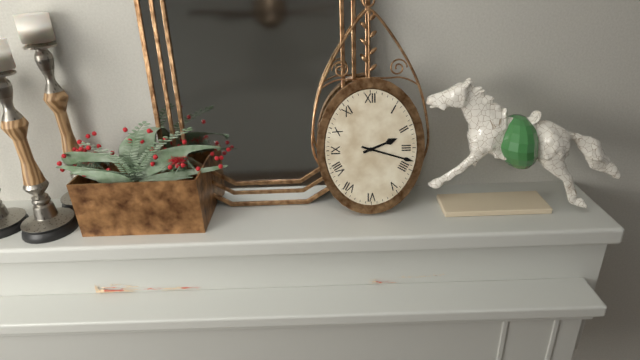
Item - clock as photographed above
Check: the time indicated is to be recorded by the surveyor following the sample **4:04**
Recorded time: **2:18**
